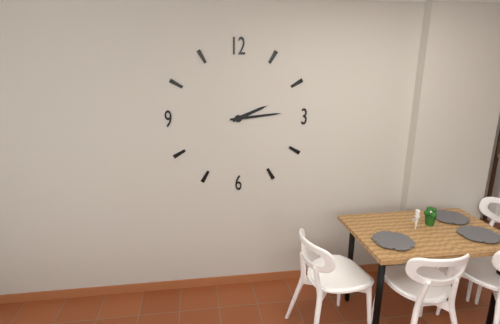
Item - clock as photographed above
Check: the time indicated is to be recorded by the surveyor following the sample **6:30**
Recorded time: **2:14**
